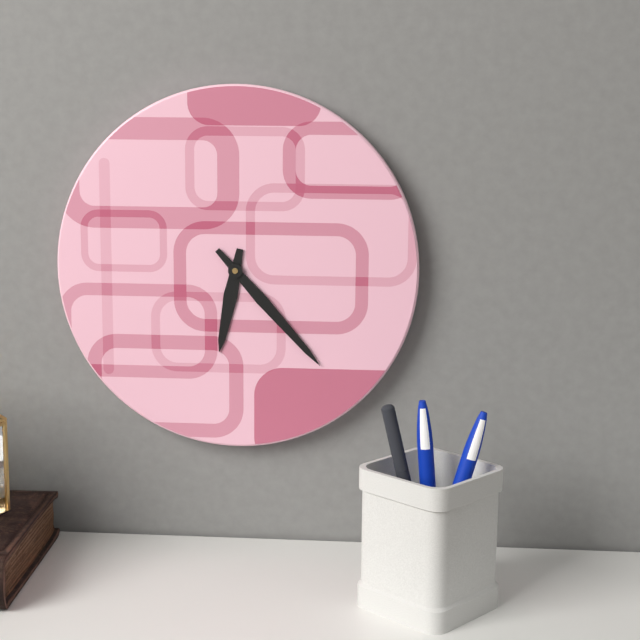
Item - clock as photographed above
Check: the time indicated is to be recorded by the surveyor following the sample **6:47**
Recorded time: **6:23**
